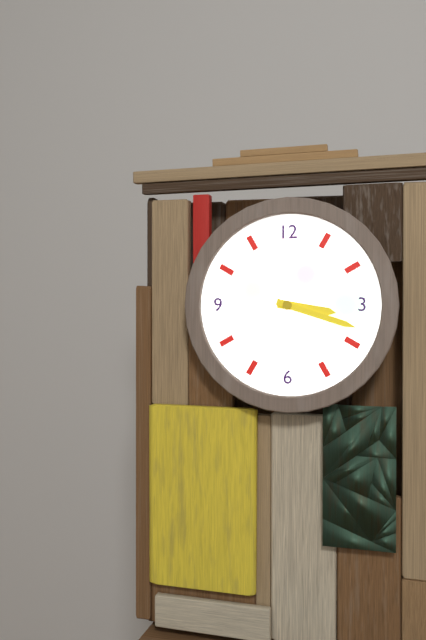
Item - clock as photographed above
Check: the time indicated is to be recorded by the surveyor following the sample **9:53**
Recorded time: **3:18**
